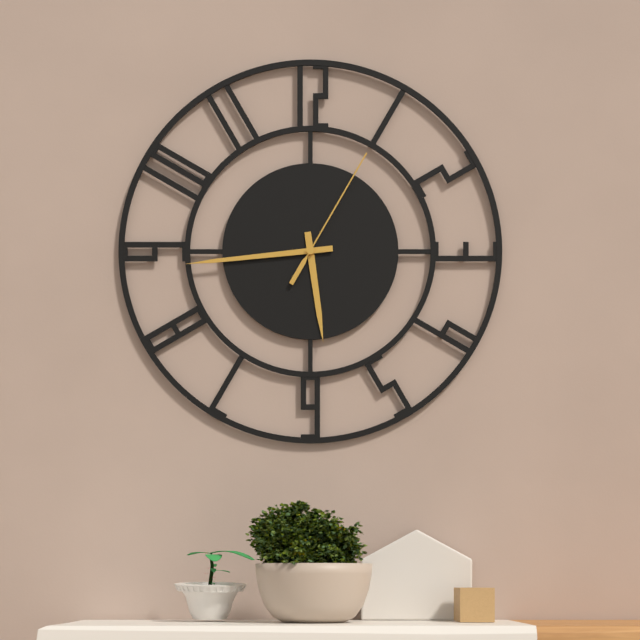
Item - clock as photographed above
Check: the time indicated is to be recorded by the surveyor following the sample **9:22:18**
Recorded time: **5:44:05**
